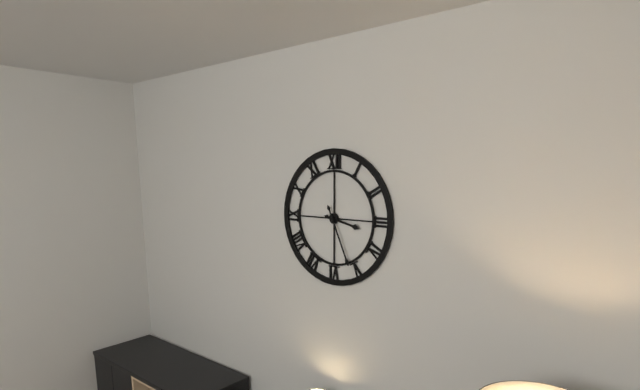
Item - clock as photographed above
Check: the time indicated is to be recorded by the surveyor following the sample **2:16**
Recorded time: **3:26**
